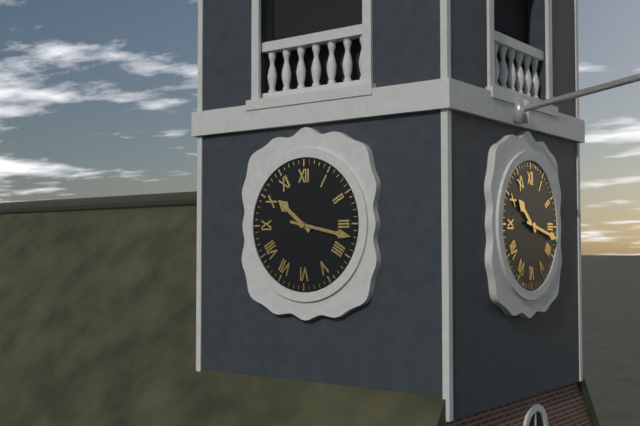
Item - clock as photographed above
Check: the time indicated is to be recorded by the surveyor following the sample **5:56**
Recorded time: **10:17**
